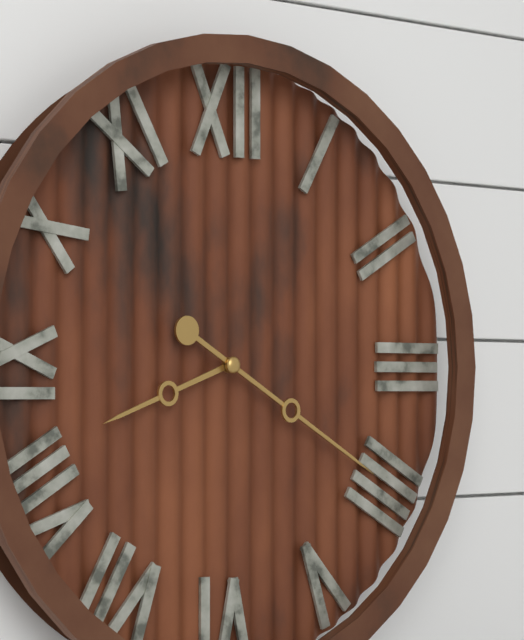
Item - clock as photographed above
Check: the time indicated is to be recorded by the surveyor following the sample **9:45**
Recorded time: **8:20**
